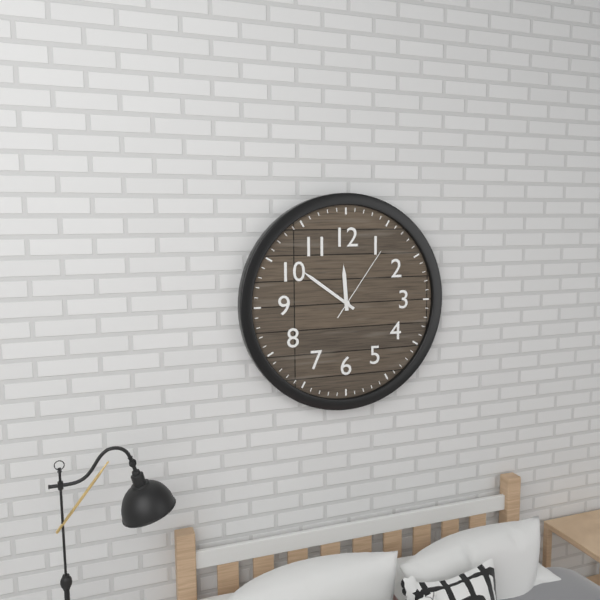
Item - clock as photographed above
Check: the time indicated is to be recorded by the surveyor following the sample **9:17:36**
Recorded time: **11:51:06**
